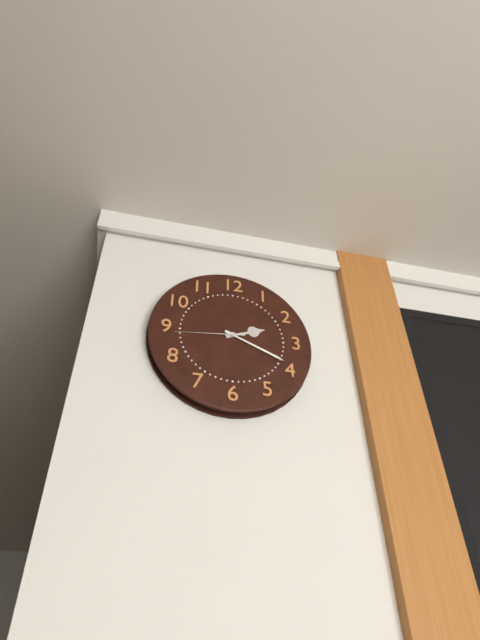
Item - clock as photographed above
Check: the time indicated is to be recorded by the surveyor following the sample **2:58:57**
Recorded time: **2:19:44**
